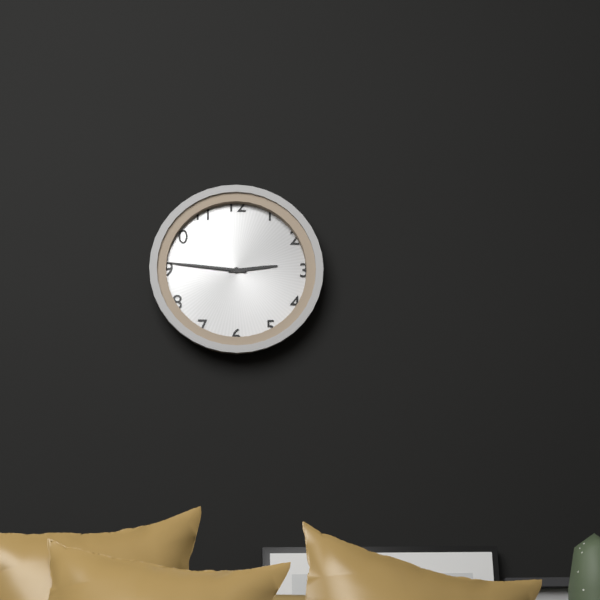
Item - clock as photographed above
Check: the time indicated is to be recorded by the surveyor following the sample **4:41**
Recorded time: **2:46**
